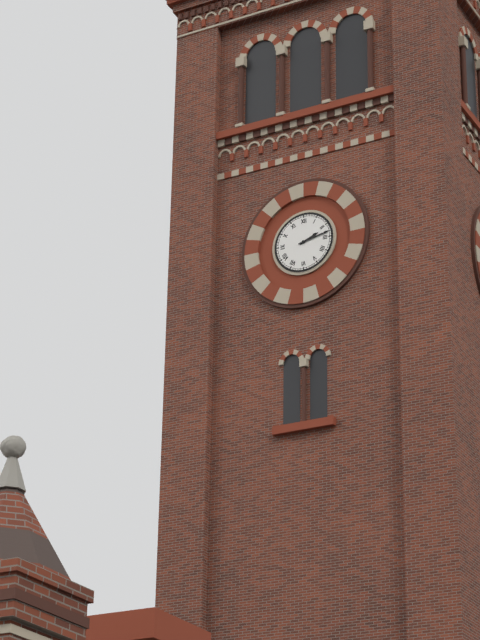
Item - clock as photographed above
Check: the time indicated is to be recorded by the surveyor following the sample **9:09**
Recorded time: **2:13**
